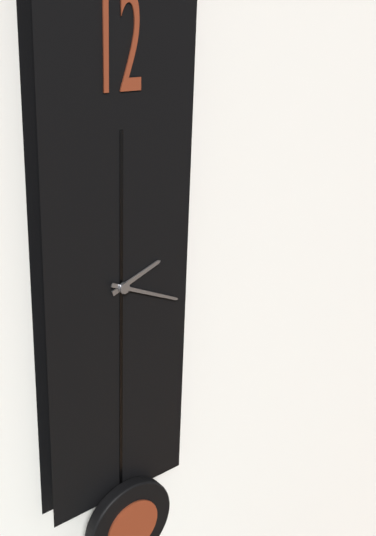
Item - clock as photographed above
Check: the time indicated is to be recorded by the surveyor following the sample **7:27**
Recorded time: **2:19**
